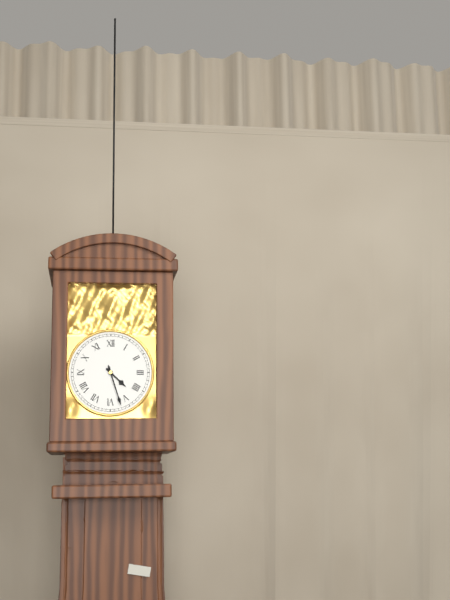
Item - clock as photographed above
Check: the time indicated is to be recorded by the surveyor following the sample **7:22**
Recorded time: **4:27**
